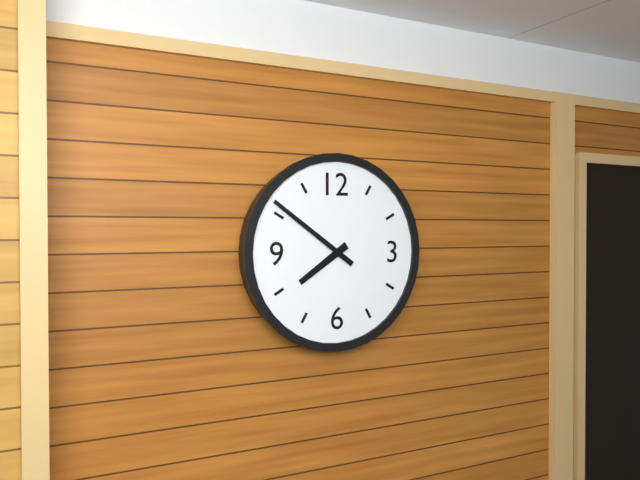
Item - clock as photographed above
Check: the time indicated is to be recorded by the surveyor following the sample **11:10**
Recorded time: **7:51**
